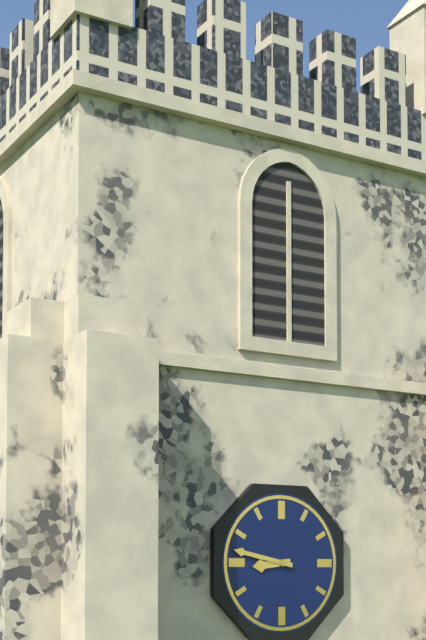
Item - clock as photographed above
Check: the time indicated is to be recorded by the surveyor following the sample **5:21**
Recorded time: **8:47**
